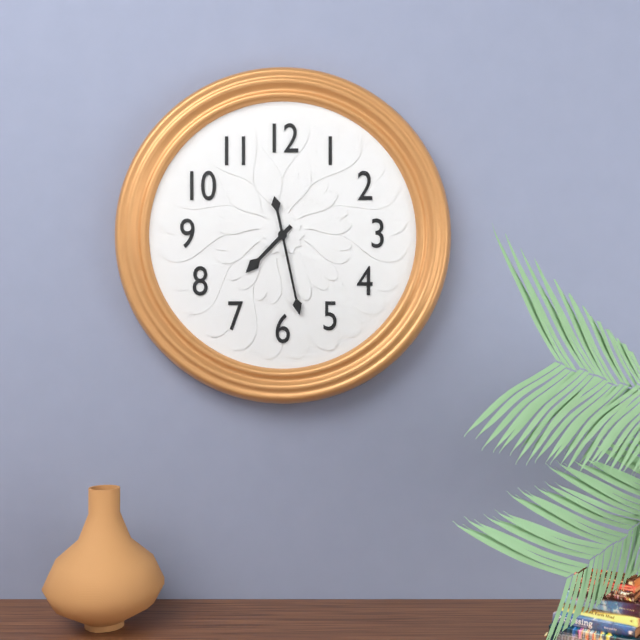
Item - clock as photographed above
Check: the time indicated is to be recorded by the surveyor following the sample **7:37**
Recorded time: **7:28**
